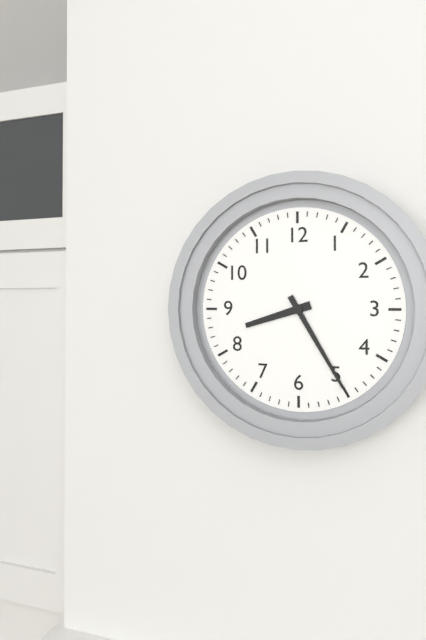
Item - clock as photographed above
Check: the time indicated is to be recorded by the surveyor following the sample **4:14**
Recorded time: **8:25**
